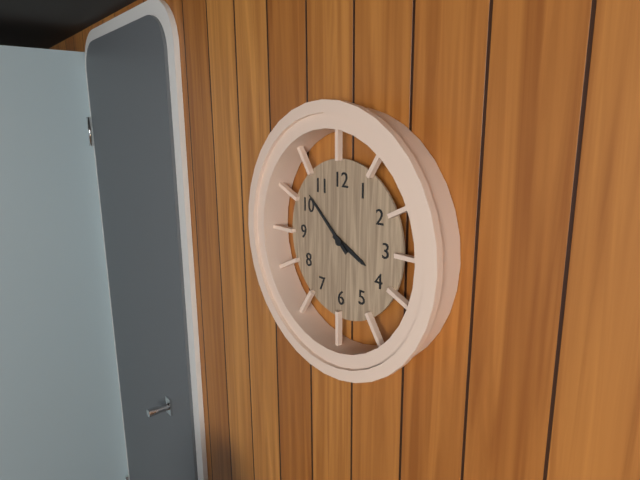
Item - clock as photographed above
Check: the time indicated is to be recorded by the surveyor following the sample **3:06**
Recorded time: **3:52**
